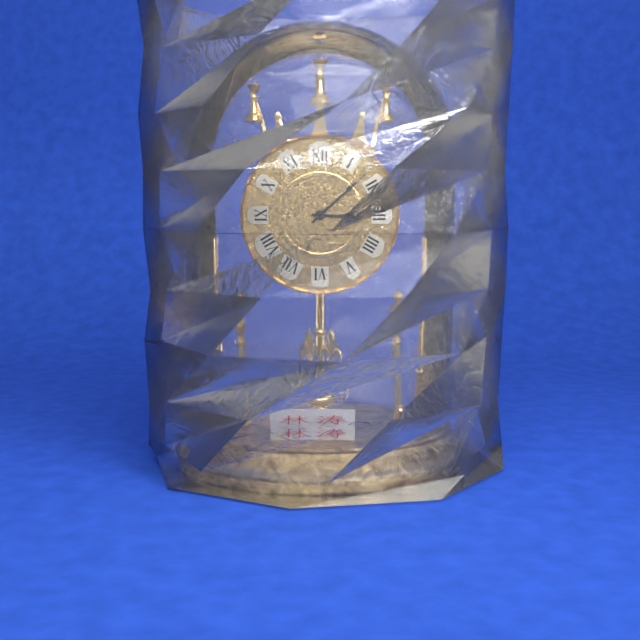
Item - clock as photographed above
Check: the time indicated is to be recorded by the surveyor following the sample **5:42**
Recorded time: **3:08**
